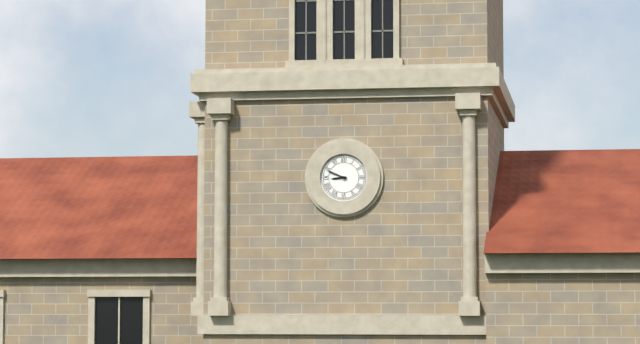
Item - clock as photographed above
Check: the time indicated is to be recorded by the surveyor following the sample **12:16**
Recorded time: **8:49**
